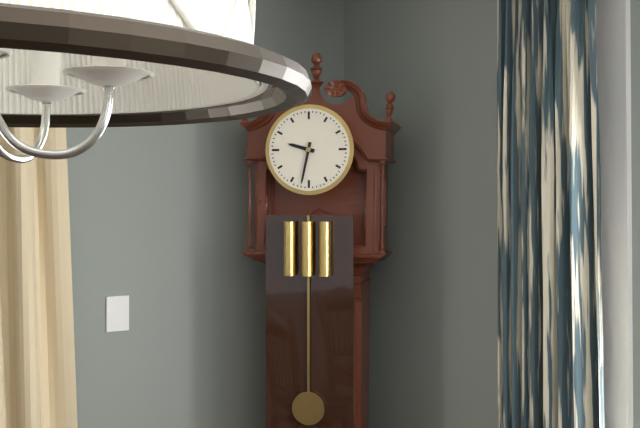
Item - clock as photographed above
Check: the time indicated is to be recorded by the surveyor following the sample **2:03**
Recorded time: **9:32**
